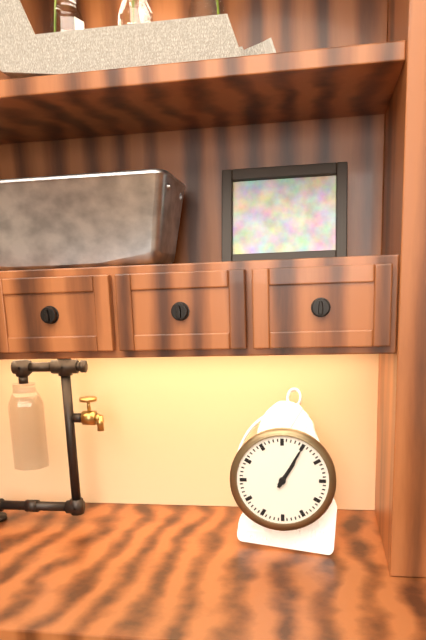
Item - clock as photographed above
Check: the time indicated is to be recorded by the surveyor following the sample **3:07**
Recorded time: **1:05**
